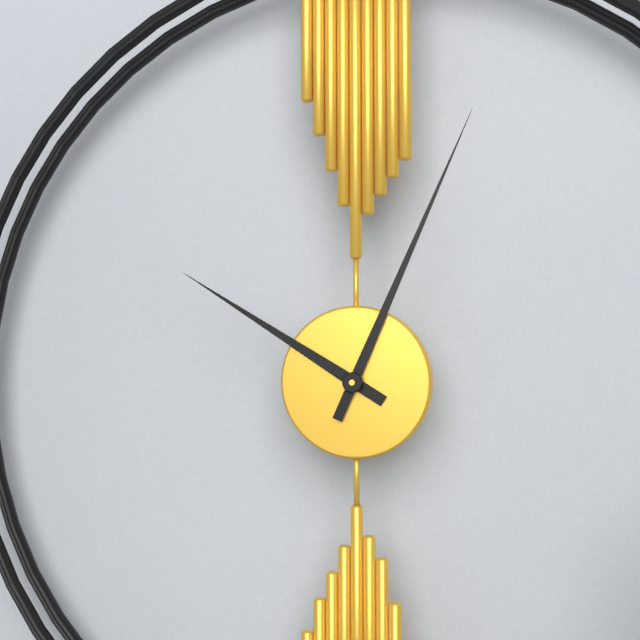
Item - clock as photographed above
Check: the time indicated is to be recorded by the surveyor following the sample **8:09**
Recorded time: **10:04**
